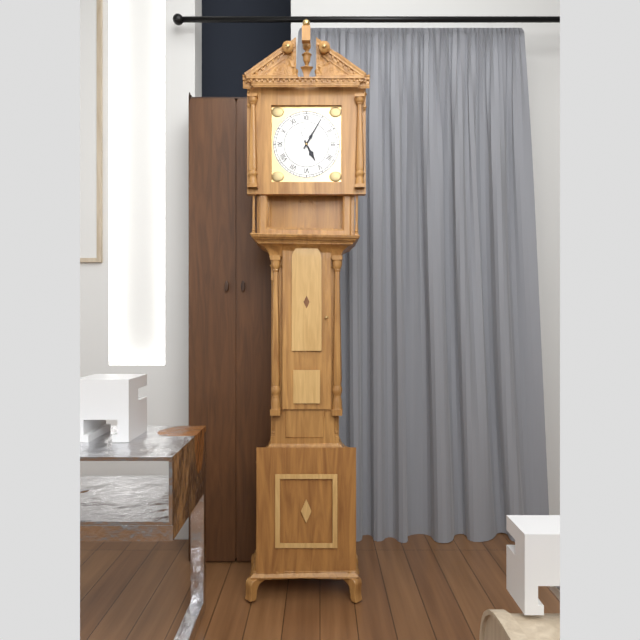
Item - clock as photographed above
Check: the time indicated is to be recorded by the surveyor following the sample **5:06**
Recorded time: **5:05**
